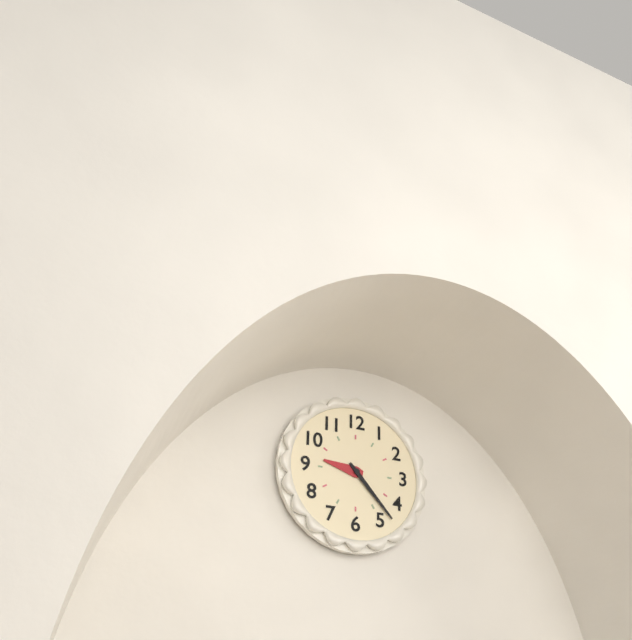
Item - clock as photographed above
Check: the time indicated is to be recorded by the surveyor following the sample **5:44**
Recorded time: **9:23**
